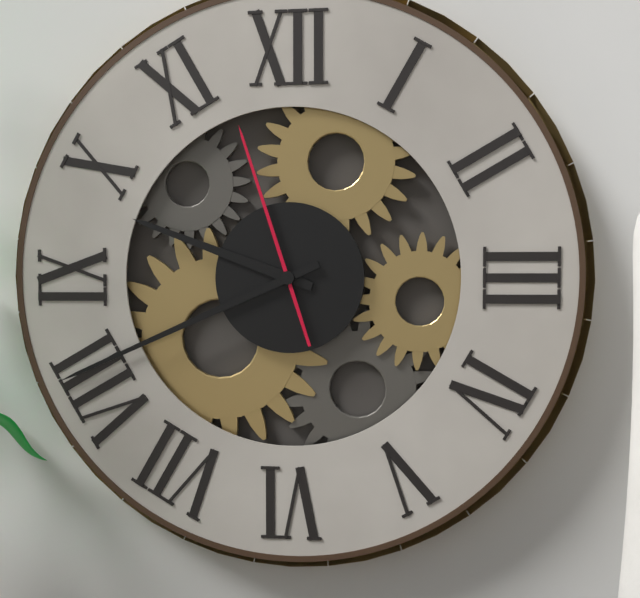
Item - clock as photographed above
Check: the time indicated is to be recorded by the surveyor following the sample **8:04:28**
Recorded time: **9:41:57**
